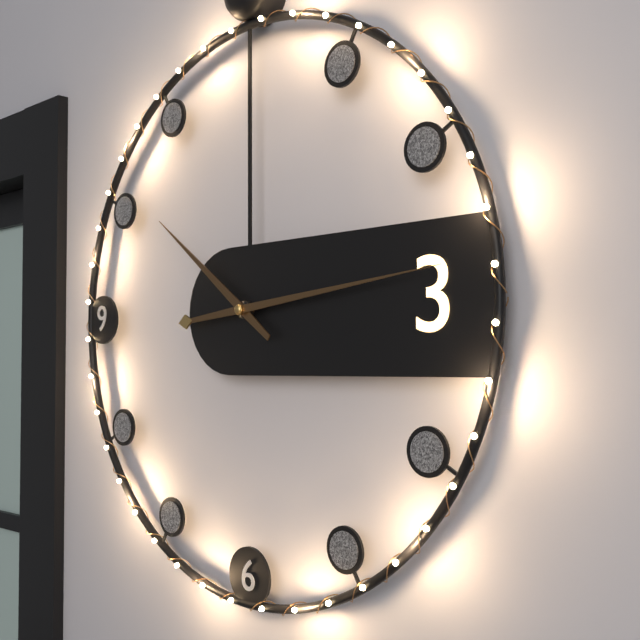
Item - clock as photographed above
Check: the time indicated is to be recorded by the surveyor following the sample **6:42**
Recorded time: **10:14**
